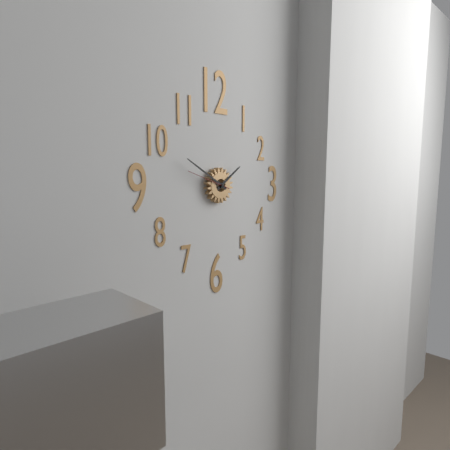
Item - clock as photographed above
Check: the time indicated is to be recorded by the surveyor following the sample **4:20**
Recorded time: **1:50**
